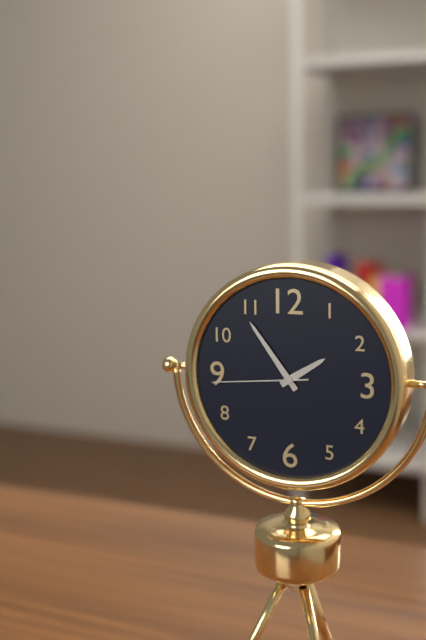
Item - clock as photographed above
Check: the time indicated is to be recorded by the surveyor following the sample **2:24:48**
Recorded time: **1:54:44**
